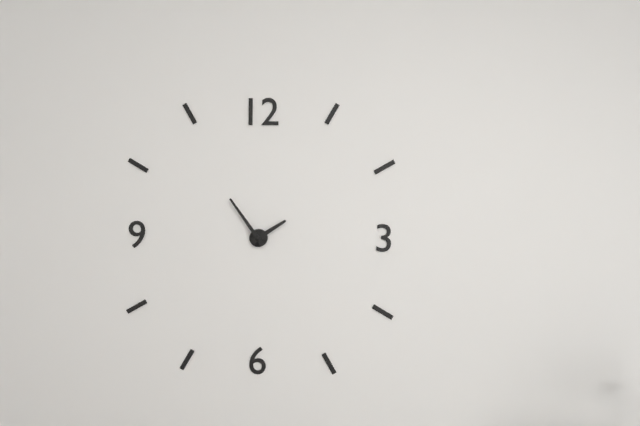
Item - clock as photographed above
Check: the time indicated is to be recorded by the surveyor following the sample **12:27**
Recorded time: **1:54**
